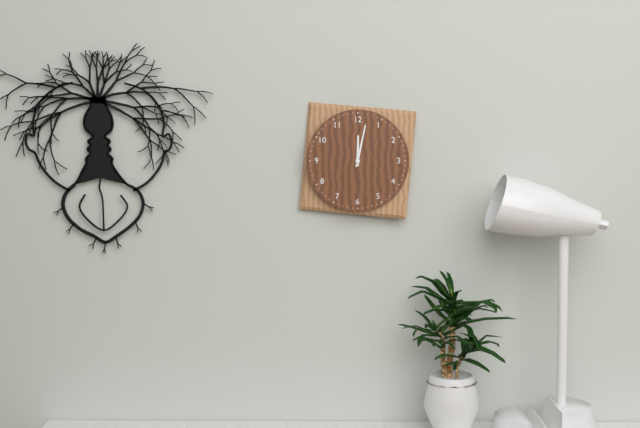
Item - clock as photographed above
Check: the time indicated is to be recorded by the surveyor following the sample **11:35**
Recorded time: **12:02**
